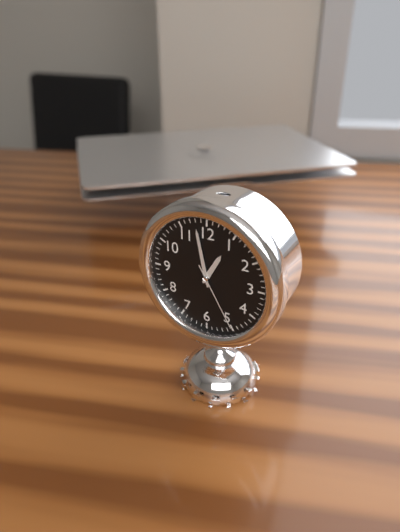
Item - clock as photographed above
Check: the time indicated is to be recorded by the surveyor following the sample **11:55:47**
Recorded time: **12:58:25**
